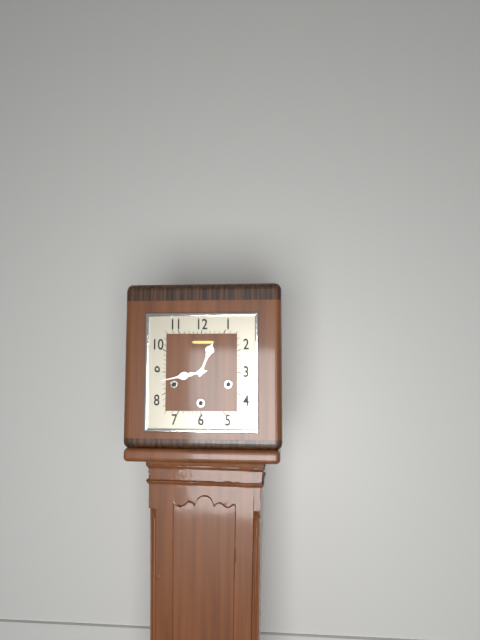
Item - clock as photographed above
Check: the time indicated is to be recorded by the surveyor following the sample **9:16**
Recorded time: **12:43**
